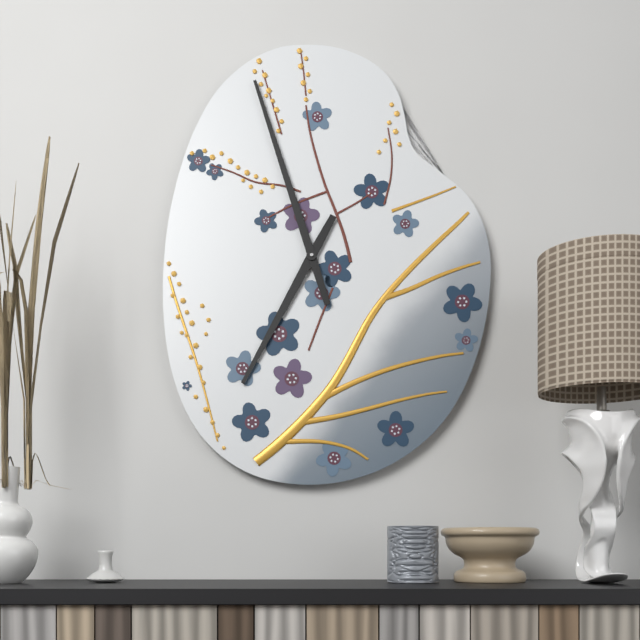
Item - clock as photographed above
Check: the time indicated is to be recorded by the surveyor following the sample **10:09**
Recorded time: **6:57**
